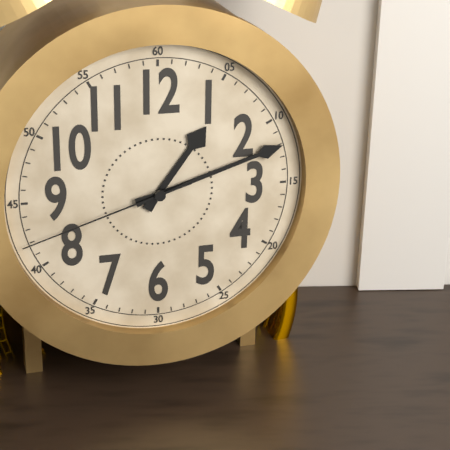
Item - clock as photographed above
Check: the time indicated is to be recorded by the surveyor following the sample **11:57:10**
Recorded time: **1:12:42**
